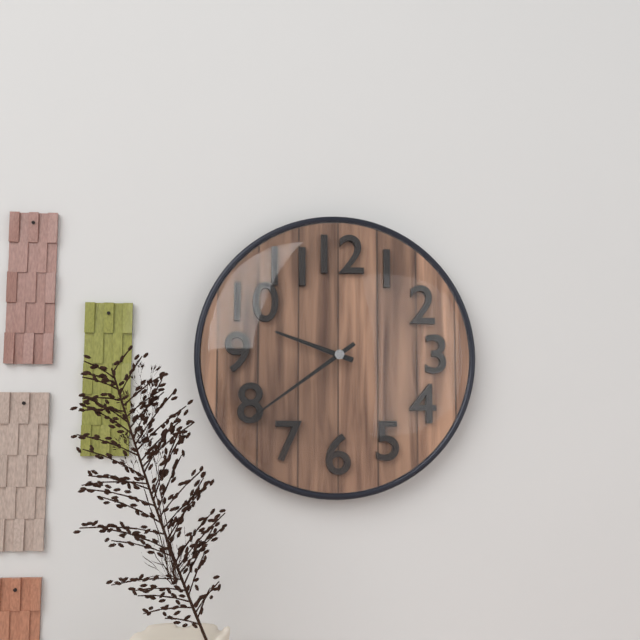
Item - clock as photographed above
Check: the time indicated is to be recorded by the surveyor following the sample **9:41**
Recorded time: **9:39**
